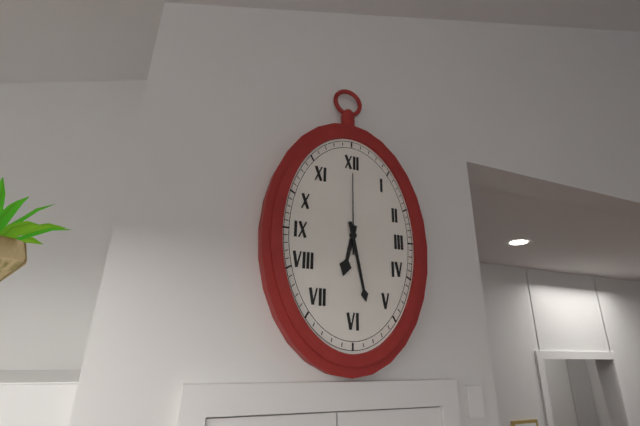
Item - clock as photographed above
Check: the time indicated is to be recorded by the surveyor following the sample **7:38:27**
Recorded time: **6:28:00**
